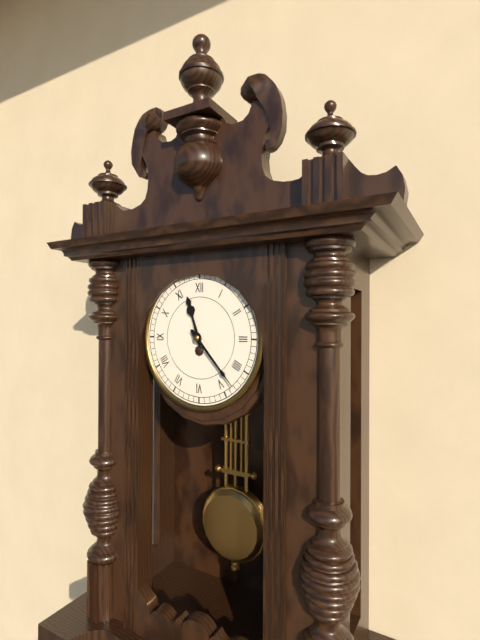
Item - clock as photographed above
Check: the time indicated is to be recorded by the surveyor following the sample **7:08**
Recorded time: **11:23**
